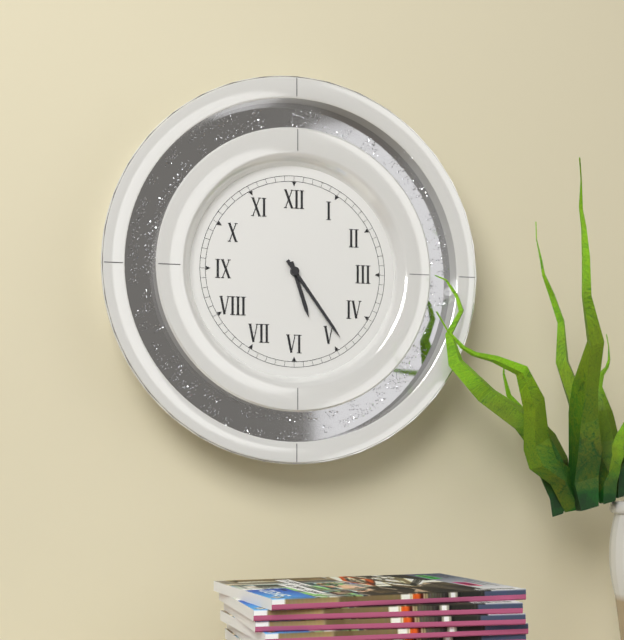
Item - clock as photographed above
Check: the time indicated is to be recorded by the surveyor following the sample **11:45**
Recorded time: **5:24**
